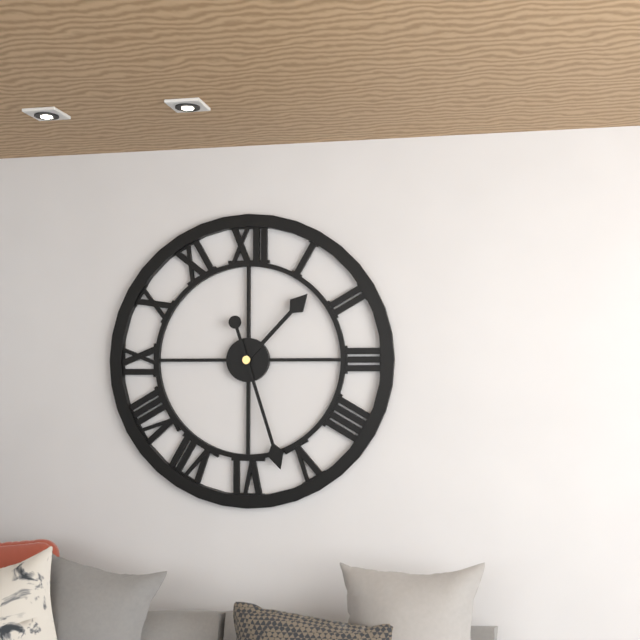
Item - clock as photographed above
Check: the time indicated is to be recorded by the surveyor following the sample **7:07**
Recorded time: **1:27**
